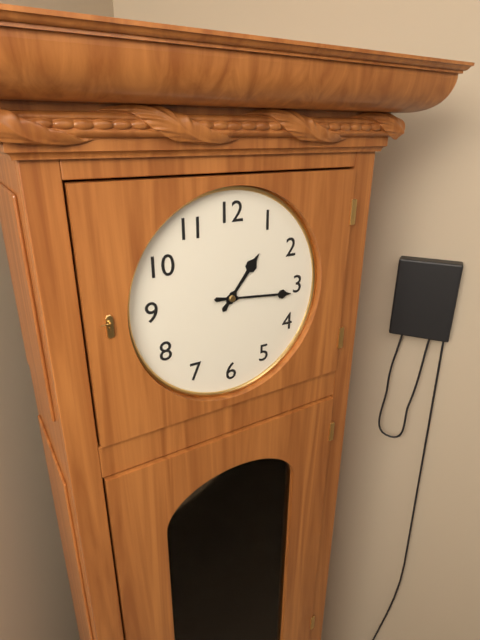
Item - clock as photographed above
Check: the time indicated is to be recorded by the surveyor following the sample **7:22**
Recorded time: **1:16**
